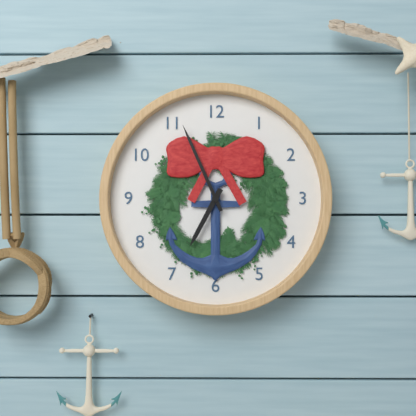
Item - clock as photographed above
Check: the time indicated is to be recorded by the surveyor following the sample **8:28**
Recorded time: **6:56**
